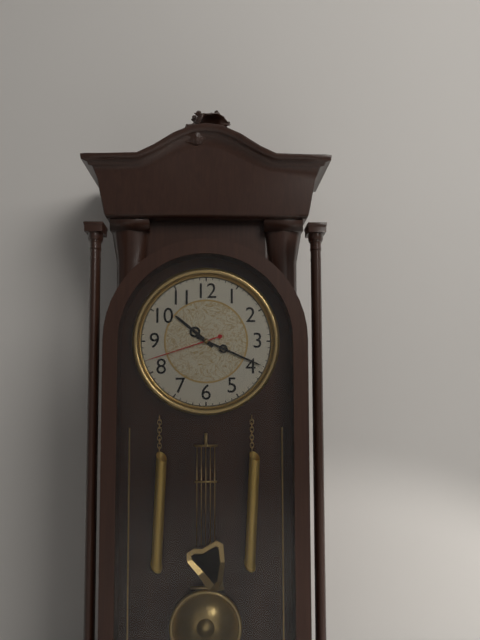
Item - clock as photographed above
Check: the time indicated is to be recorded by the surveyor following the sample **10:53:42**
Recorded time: **10:19:42**
